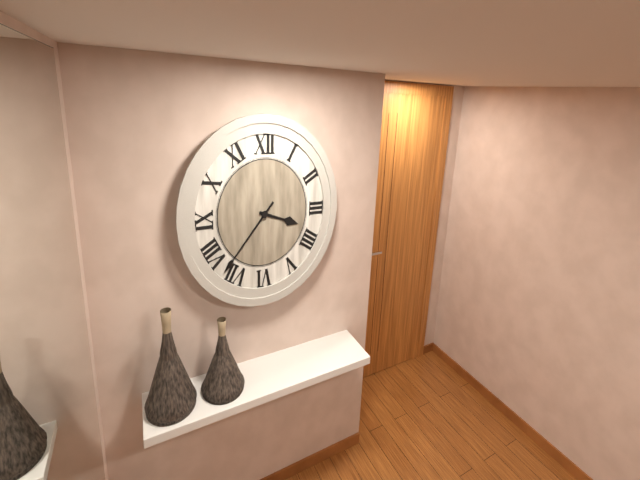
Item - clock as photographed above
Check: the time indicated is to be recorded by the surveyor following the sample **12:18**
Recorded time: **3:37**
